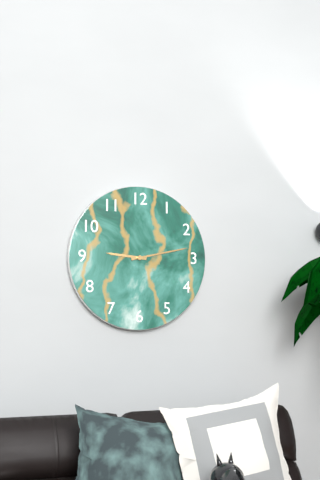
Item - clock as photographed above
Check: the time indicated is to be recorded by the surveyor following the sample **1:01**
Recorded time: **9:13**
